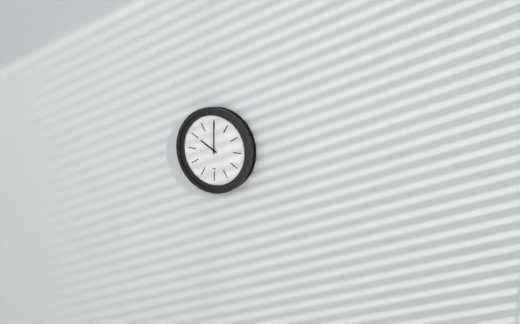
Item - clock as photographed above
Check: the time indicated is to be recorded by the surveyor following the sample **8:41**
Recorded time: **10:00**
